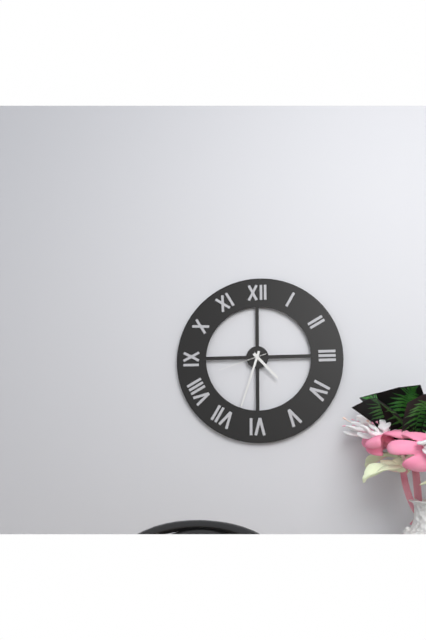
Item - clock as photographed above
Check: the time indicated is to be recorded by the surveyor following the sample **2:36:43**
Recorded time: **4:33:42**
